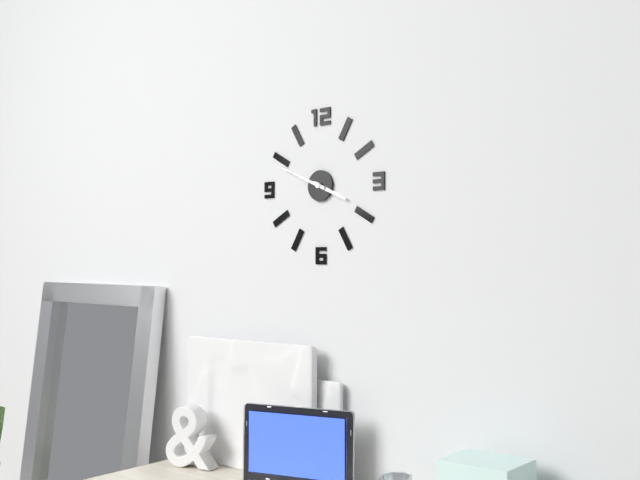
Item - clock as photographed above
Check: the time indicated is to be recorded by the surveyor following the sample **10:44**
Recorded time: **3:49**
